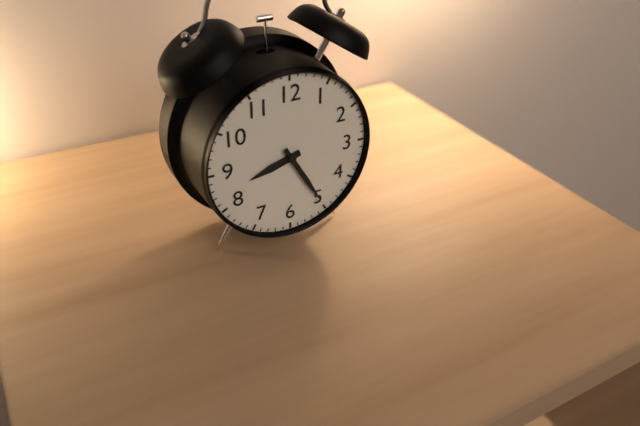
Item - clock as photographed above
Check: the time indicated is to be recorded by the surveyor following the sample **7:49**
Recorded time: **8:25**
